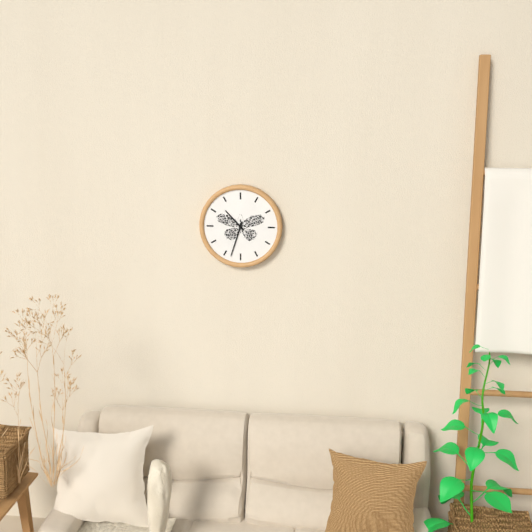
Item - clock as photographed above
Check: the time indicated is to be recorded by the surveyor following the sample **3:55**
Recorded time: **10:33**
